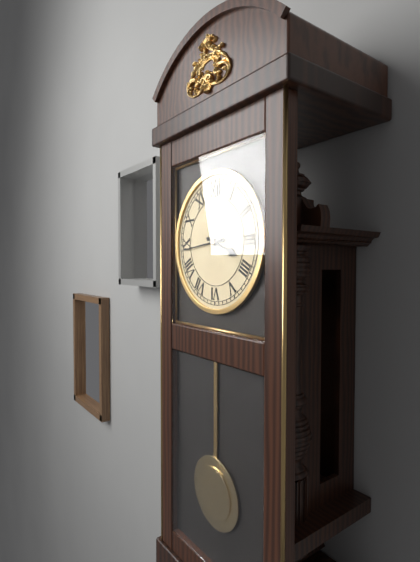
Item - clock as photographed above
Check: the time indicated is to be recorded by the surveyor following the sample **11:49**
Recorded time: **3:44**
